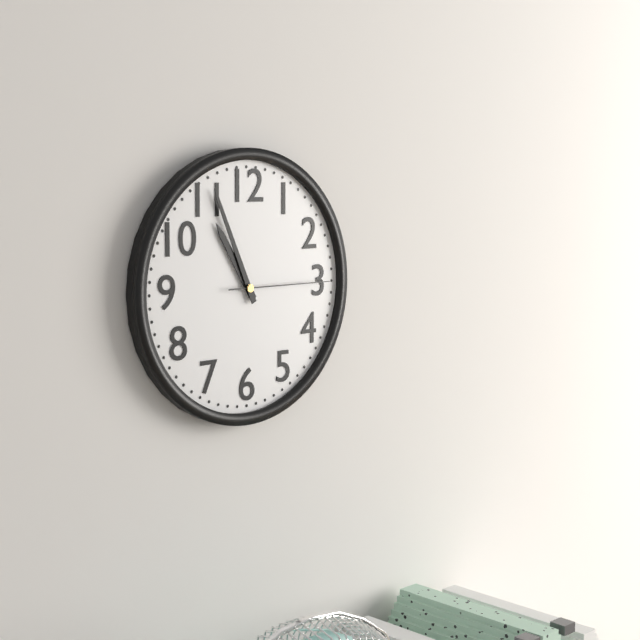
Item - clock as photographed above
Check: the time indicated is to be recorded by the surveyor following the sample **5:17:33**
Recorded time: **10:56:15**
